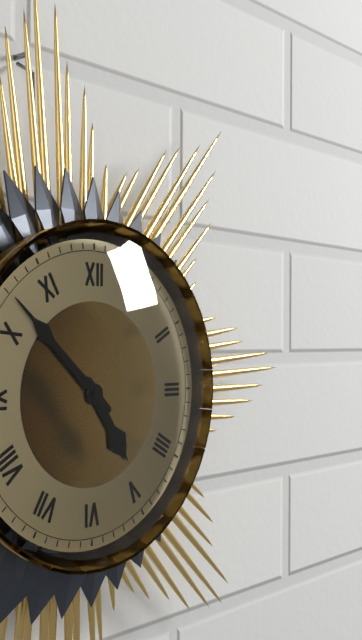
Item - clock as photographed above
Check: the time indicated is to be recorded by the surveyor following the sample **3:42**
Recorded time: **4:52**
